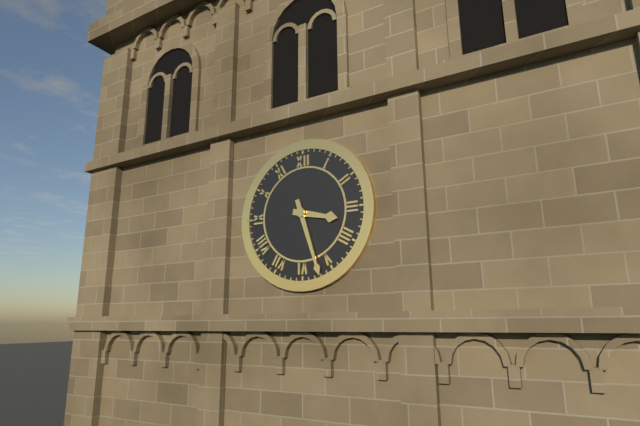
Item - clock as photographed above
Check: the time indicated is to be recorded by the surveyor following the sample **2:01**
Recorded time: **3:27**
